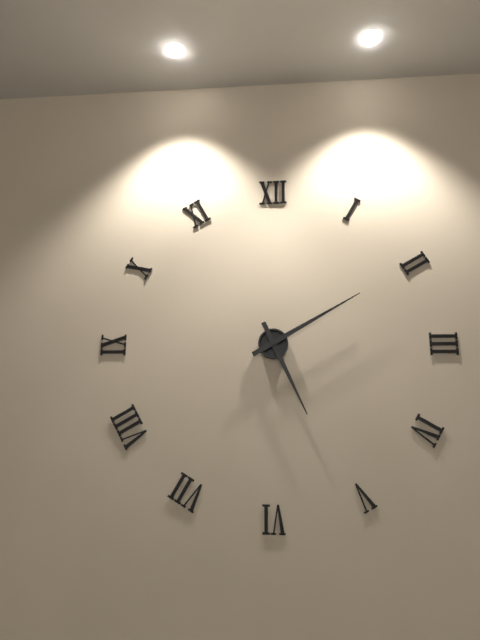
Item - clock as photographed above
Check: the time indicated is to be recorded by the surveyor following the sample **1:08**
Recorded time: **5:10**
